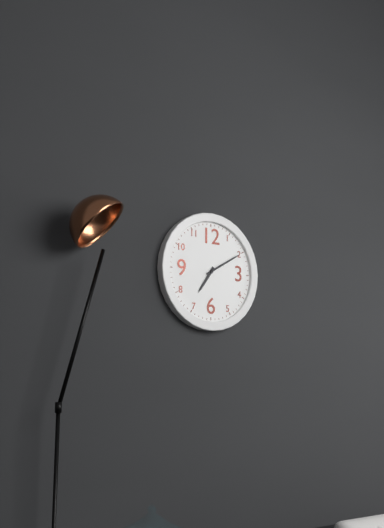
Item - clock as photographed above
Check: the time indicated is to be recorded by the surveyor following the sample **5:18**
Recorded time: **7:10**
